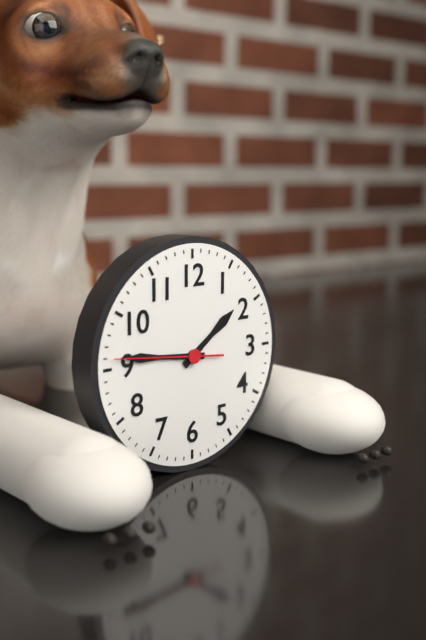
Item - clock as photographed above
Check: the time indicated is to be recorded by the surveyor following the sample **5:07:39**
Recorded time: **1:46:46**
